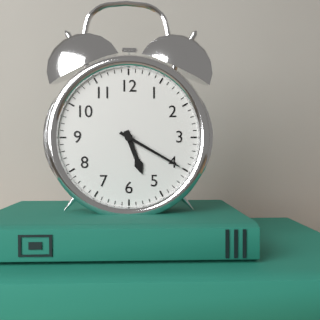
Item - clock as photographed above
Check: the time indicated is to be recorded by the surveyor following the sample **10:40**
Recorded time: **5:20**
